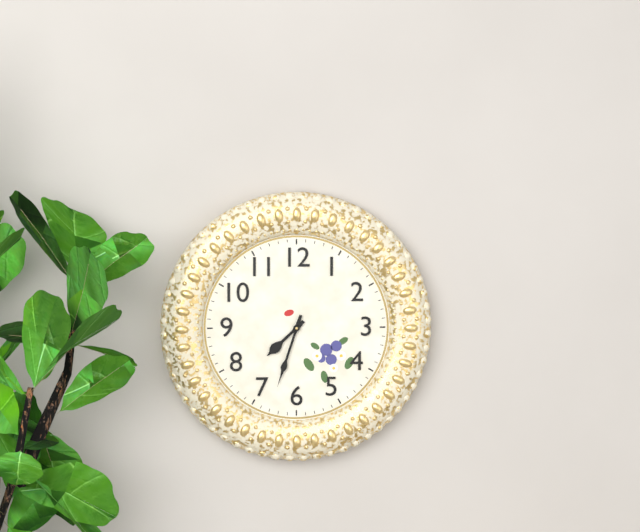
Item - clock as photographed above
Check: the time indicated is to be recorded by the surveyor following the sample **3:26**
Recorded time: **7:33**
